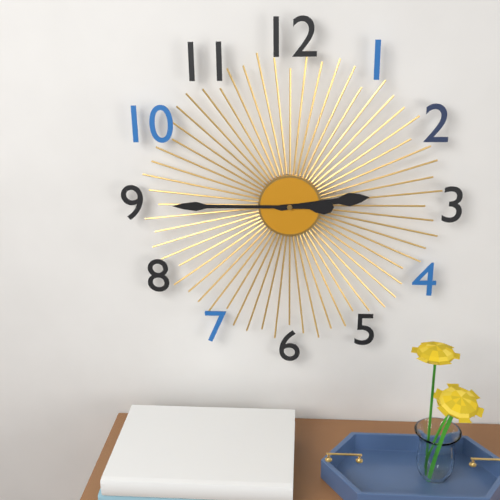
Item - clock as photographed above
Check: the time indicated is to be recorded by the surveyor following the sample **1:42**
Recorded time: **2:45**
